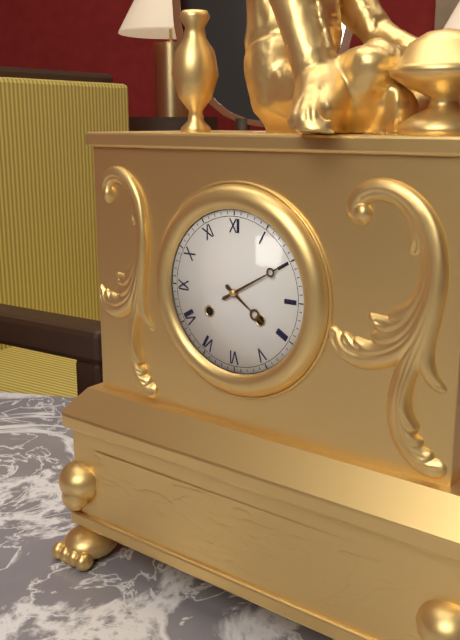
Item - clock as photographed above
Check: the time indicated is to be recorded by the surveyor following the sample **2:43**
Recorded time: **4:10**
